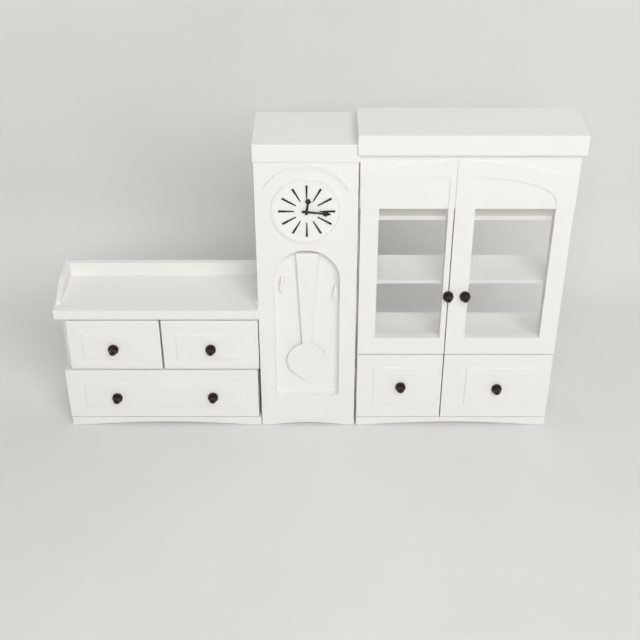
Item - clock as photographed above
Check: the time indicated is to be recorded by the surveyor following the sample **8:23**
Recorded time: **12:16**
